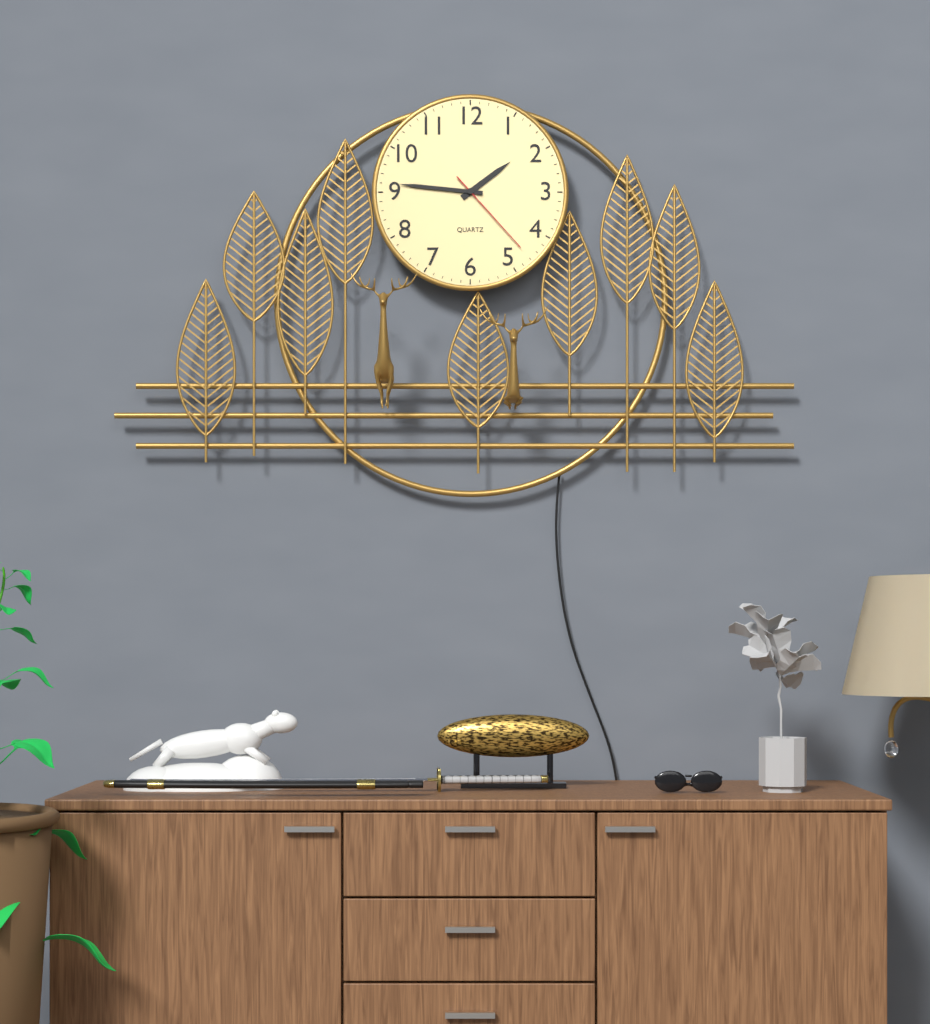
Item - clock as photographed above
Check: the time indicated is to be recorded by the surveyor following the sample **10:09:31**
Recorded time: **1:46:23**
